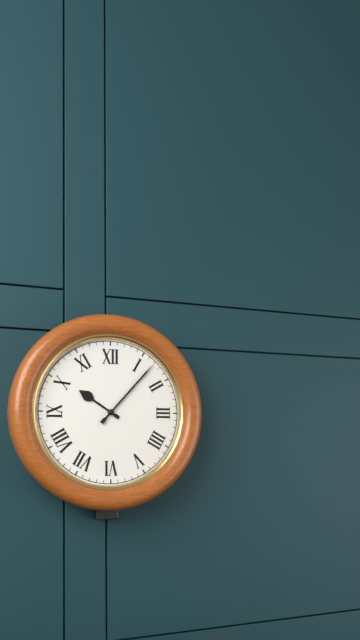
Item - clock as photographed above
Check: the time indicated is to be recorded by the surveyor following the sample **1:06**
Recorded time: **10:07**
